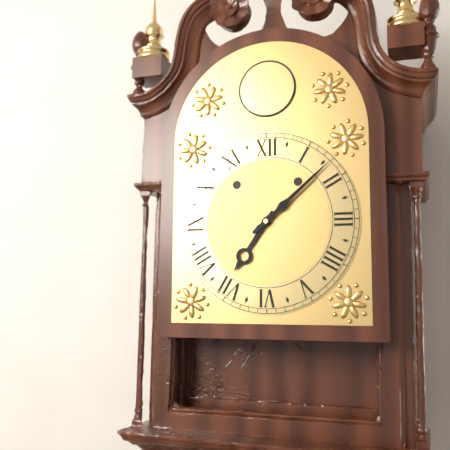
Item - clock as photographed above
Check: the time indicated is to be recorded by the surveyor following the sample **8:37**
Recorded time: **7:08**
